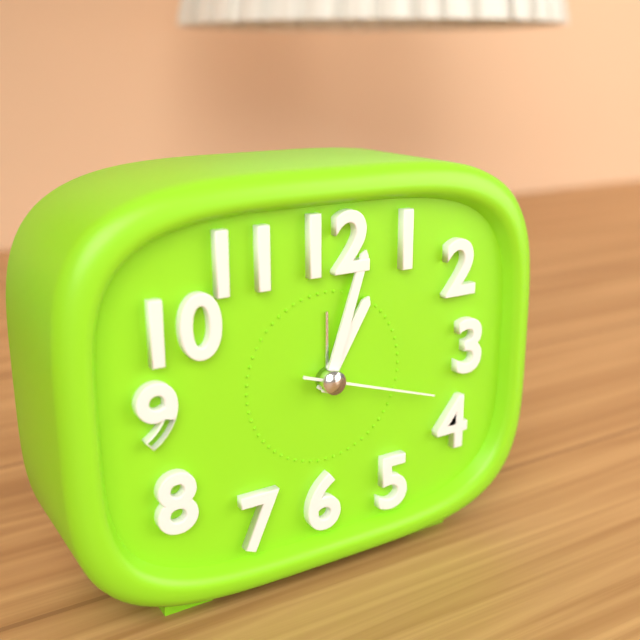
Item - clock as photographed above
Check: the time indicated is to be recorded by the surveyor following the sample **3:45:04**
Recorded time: **1:03:18**
